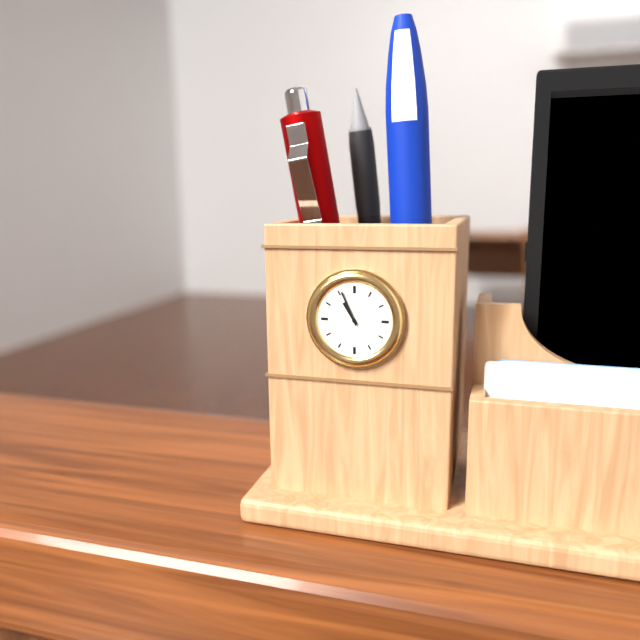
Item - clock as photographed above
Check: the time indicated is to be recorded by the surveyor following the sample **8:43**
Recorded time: **10:56**
